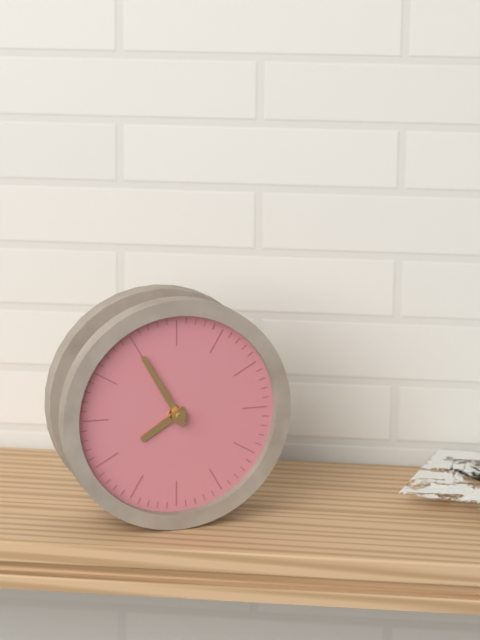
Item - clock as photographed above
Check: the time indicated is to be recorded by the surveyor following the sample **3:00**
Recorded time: **7:55**
